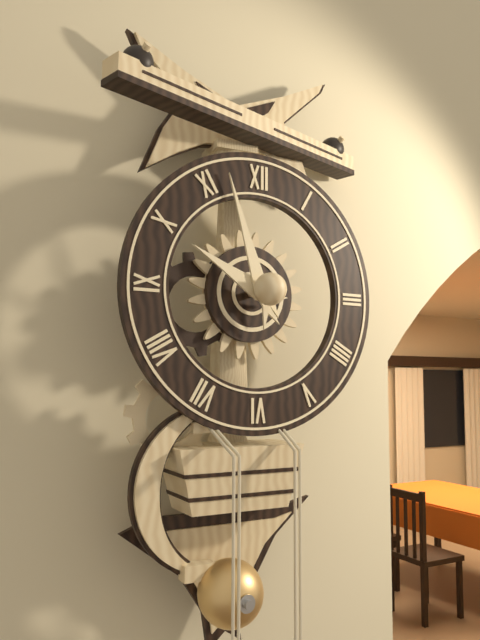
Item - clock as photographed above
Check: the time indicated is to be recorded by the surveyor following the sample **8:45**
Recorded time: **9:57**
